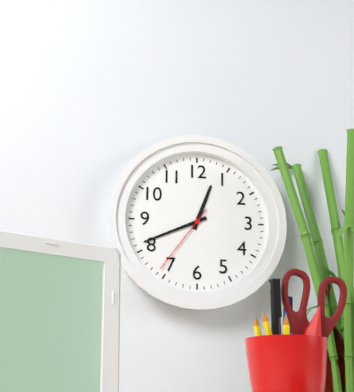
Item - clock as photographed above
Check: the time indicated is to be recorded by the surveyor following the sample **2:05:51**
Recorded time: **12:41:36**
